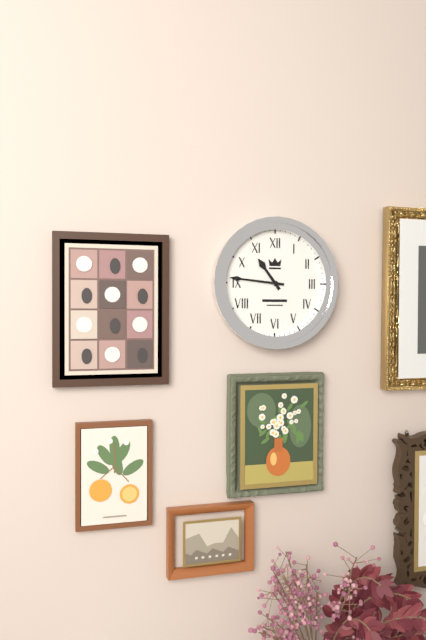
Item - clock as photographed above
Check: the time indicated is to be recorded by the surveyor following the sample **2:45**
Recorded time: **10:46**
